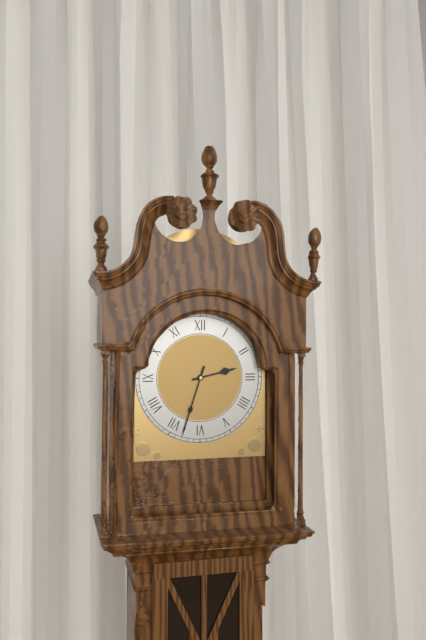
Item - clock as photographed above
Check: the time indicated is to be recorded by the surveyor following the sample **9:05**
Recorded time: **2:33**
